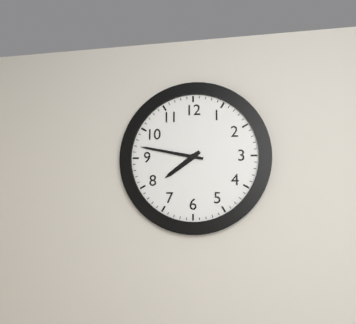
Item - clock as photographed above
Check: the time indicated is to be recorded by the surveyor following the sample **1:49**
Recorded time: **7:47**
